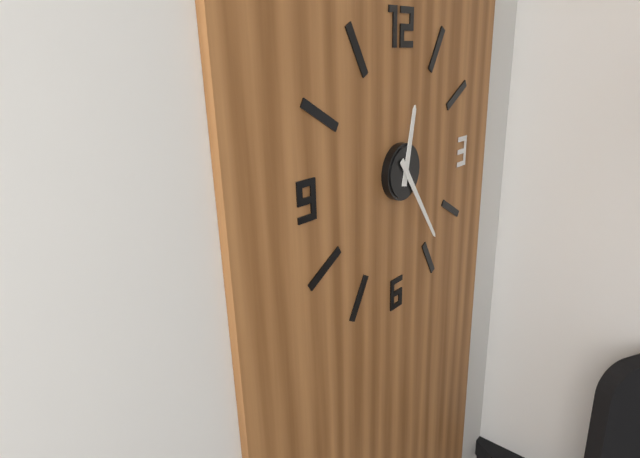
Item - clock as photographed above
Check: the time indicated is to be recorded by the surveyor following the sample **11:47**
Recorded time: **12:24**
